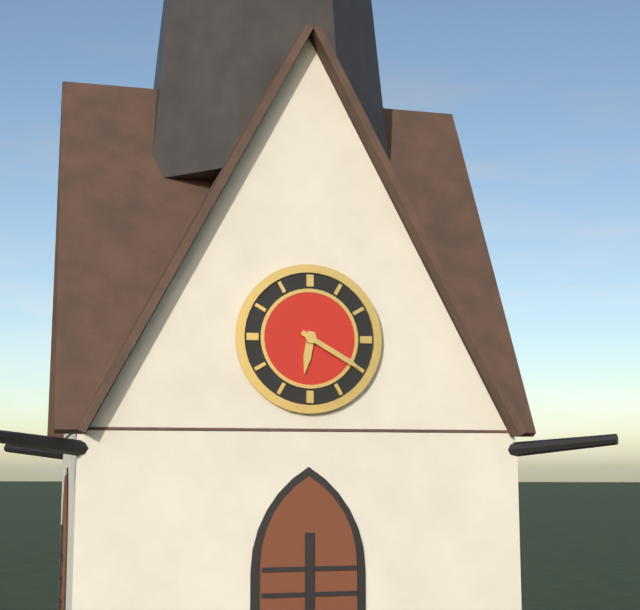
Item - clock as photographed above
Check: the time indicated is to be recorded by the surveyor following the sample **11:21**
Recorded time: **6:20**
